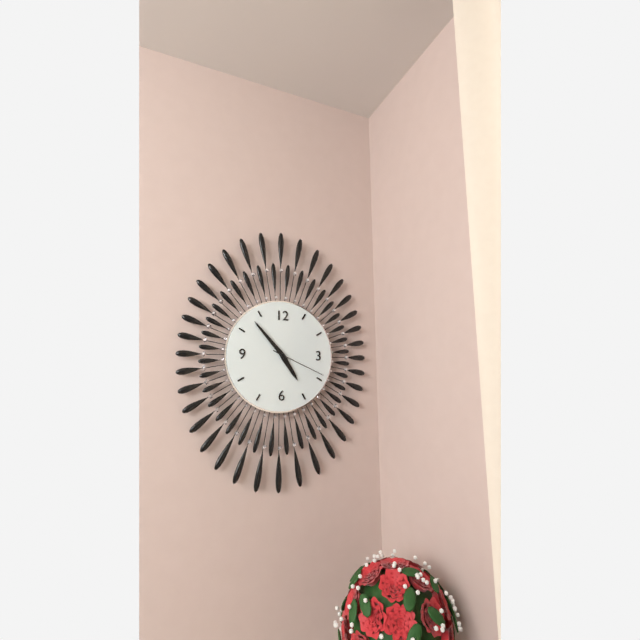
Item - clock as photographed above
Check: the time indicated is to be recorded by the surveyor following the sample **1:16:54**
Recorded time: **4:53:19**
